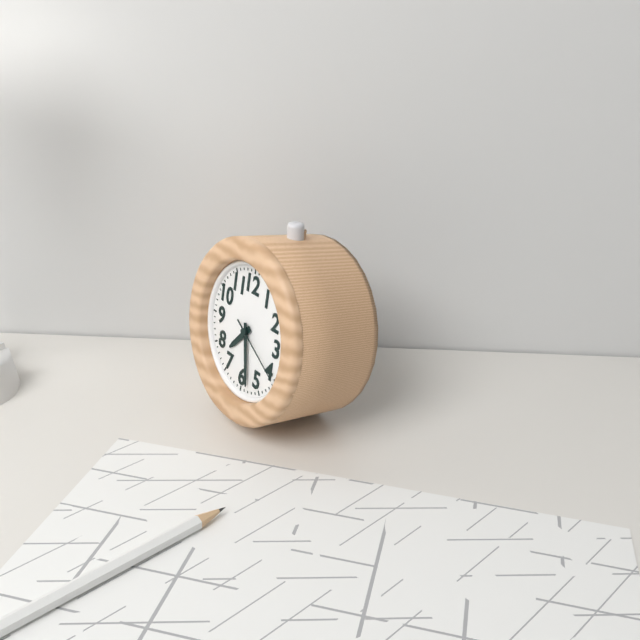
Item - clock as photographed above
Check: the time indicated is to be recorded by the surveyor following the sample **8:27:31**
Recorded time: **7:28:20**
